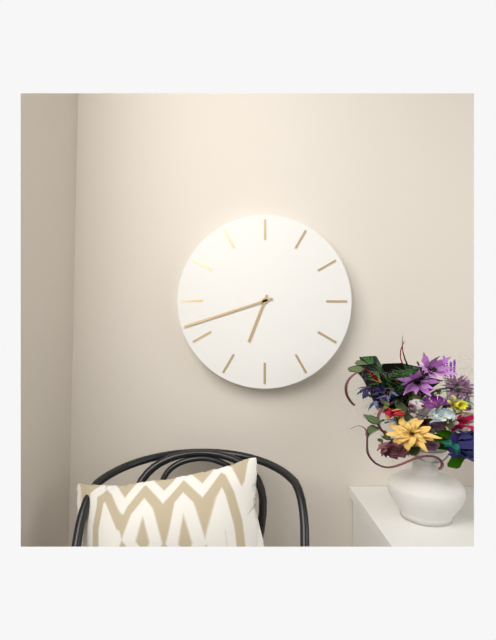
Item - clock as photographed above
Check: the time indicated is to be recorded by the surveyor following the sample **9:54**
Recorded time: **6:42**
